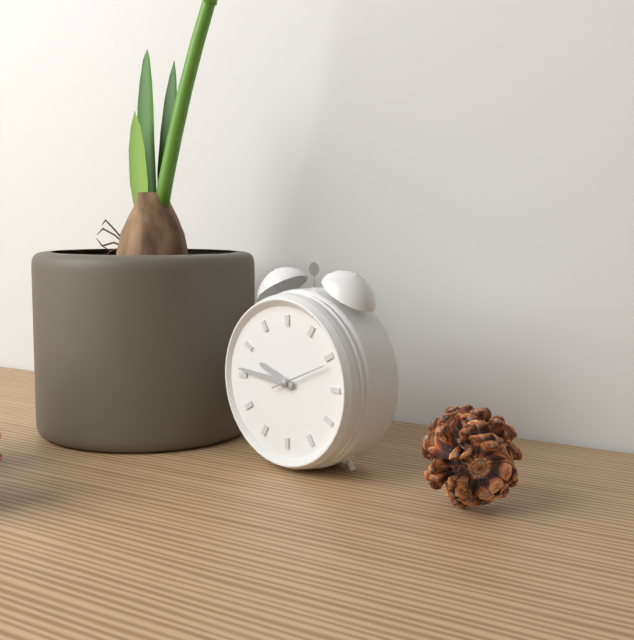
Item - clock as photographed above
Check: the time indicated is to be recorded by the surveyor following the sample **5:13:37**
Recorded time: **9:46:11**
